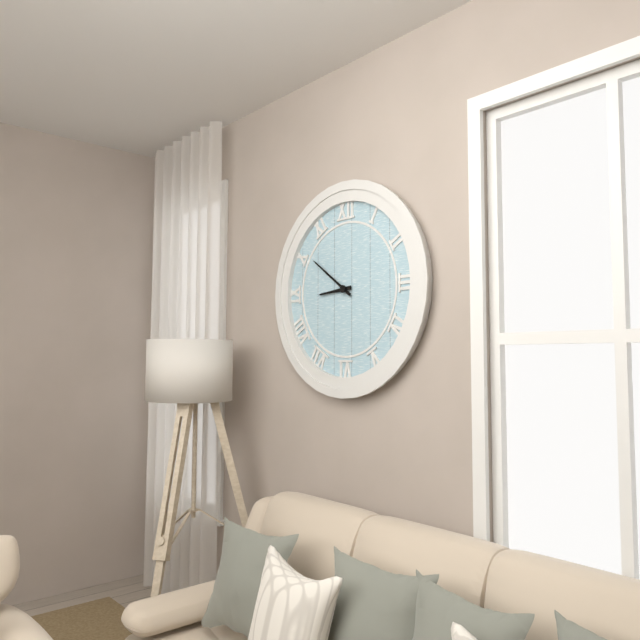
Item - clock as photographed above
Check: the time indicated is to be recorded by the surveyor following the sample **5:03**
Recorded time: **8:51**
